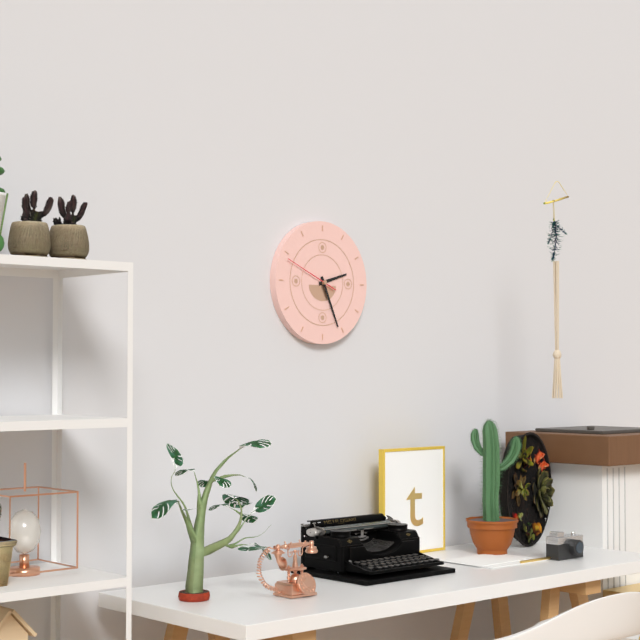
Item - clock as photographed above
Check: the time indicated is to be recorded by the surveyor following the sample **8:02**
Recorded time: **2:26**
